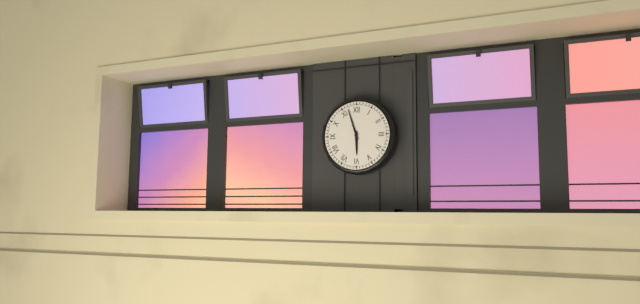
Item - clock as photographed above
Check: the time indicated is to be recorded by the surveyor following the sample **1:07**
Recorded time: **5:57**
